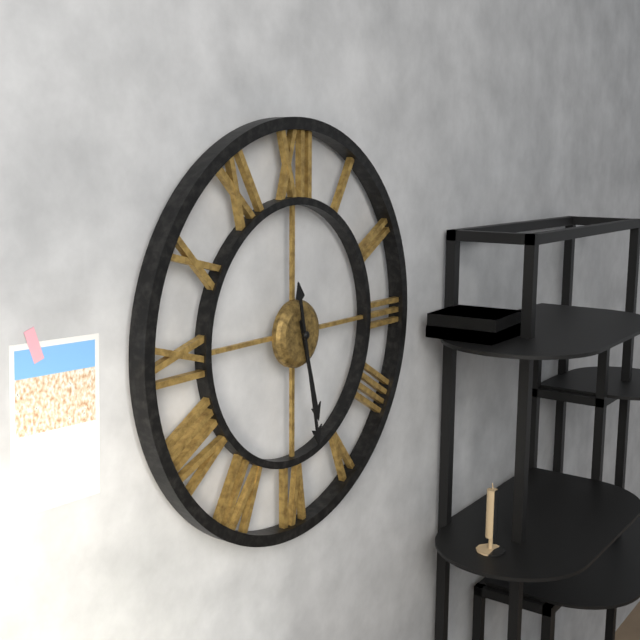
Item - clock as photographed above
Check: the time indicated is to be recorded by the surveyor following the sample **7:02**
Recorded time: **5:28**
